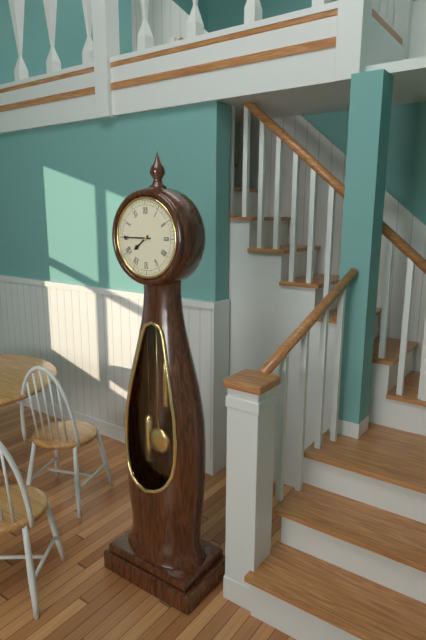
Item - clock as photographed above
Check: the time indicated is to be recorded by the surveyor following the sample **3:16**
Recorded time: **7:45**
